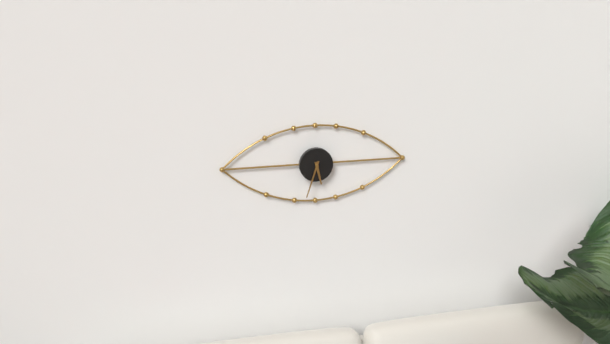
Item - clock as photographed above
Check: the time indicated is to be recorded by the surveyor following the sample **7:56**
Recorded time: **5:33**
